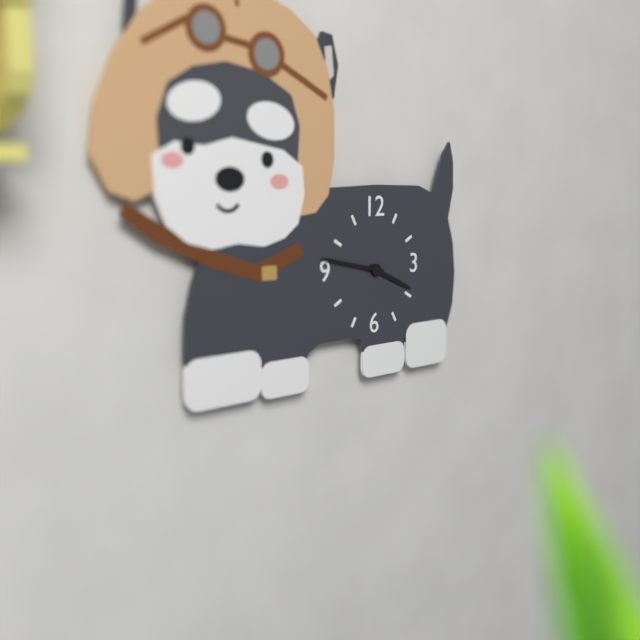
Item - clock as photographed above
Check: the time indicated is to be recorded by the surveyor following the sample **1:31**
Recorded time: **3:47**
